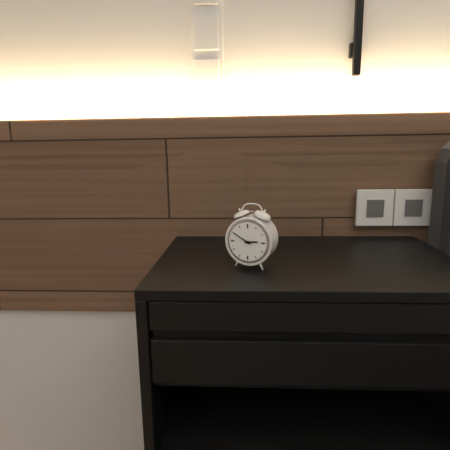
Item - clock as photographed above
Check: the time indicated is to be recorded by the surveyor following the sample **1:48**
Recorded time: **2:50**
